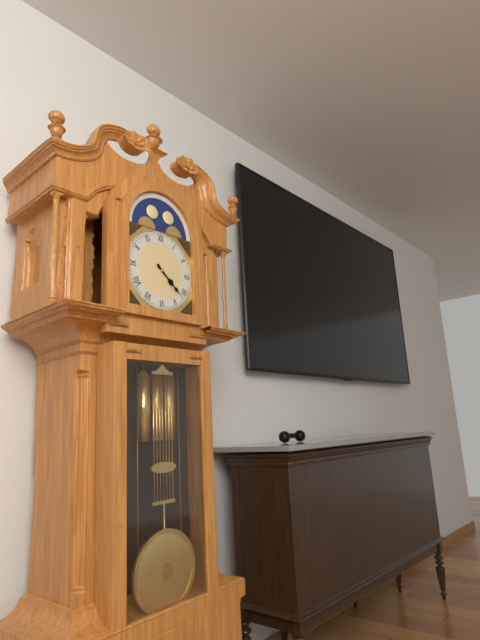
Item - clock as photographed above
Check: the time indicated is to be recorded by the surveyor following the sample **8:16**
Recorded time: **4:22**
